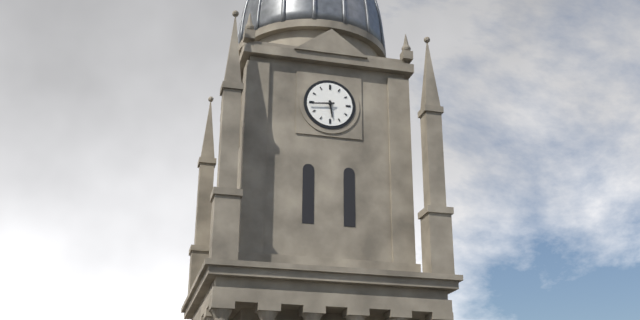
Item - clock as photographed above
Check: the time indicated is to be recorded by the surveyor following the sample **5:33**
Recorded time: **5:44**
